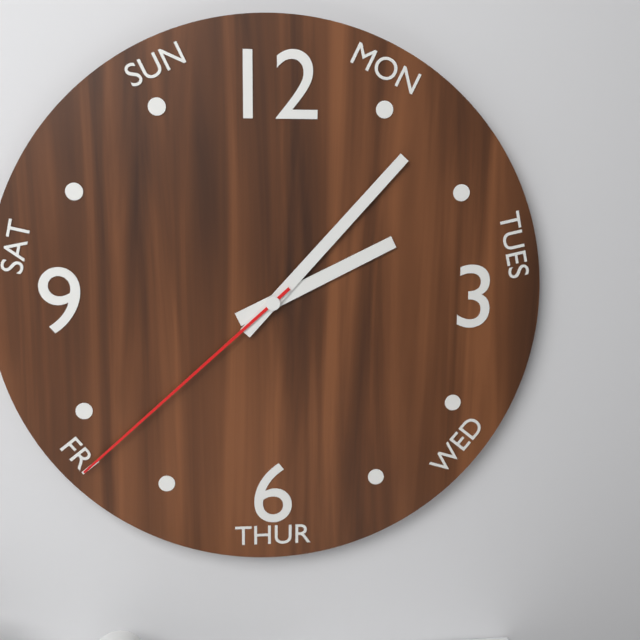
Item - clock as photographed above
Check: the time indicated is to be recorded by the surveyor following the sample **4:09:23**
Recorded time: **2:07:38**
